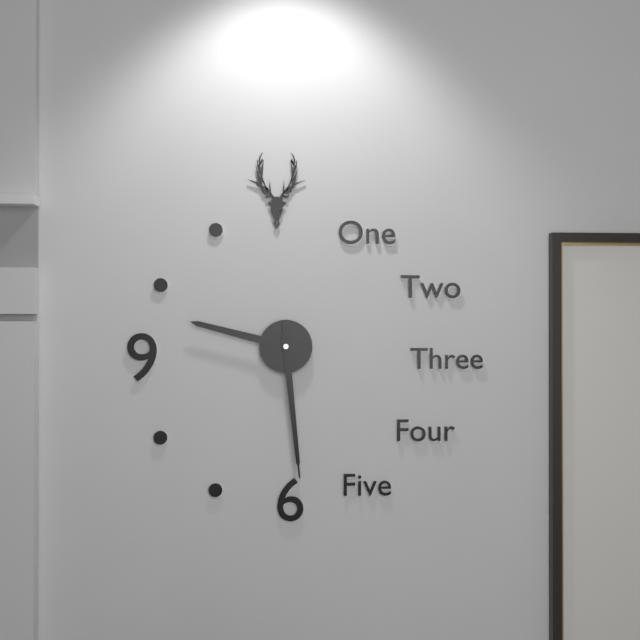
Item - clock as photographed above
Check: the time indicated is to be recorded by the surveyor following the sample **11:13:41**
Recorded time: **9:29:29**
